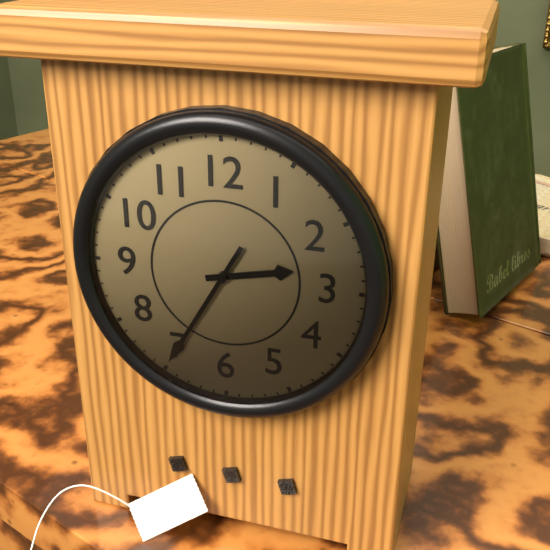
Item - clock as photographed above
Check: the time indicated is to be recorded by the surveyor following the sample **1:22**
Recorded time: **2:35**
